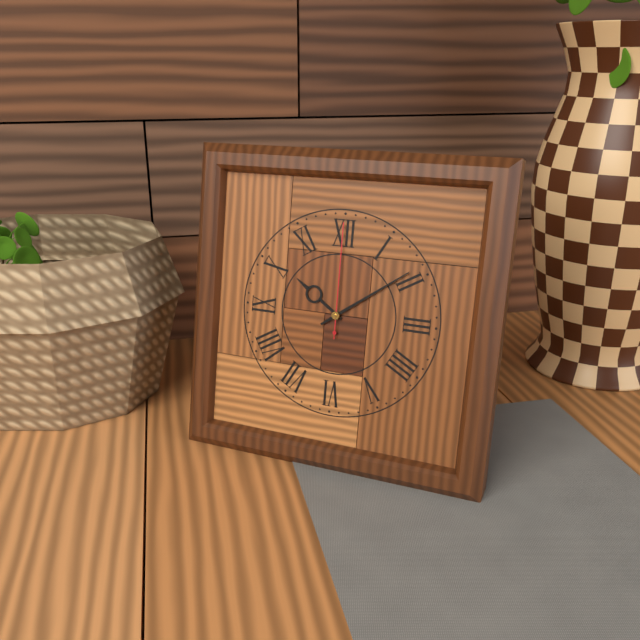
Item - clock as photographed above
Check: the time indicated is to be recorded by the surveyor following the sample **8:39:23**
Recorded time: **10:09:00**
